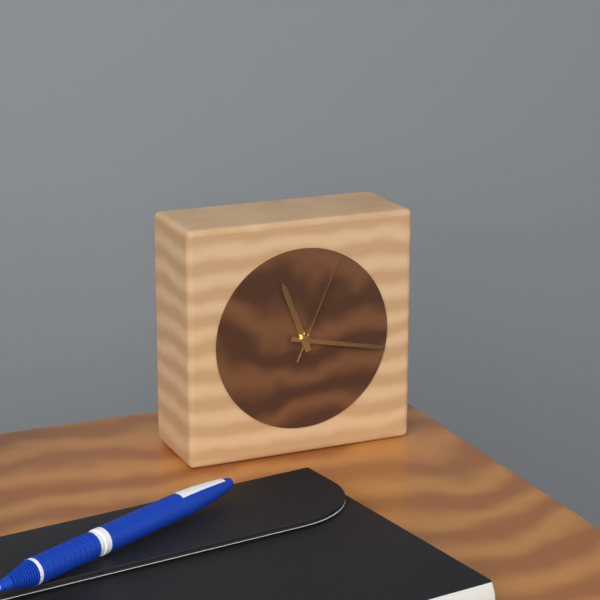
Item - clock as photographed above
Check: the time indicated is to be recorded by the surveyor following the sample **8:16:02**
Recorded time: **11:17:04**
